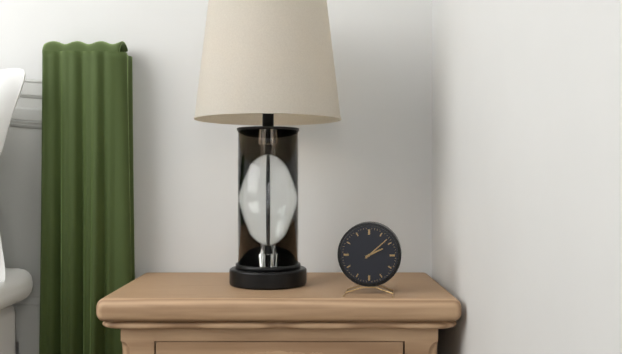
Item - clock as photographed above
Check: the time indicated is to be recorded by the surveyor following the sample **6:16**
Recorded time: **2:08**
